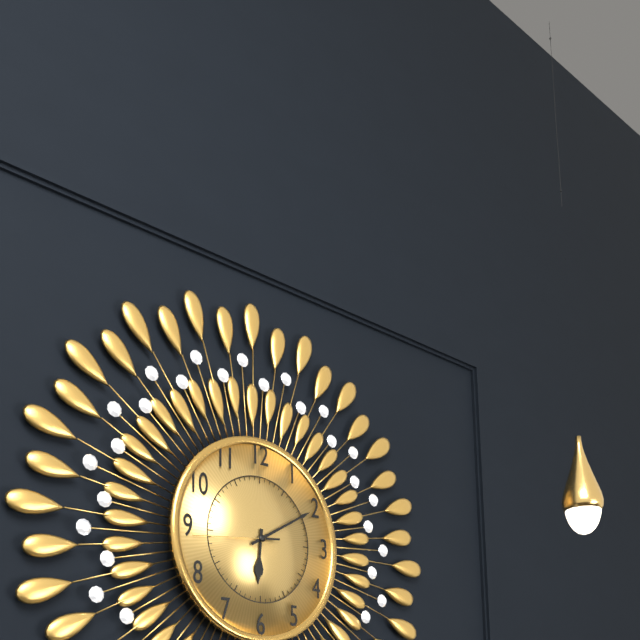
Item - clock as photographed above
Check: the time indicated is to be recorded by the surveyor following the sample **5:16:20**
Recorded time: **6:10:44**
